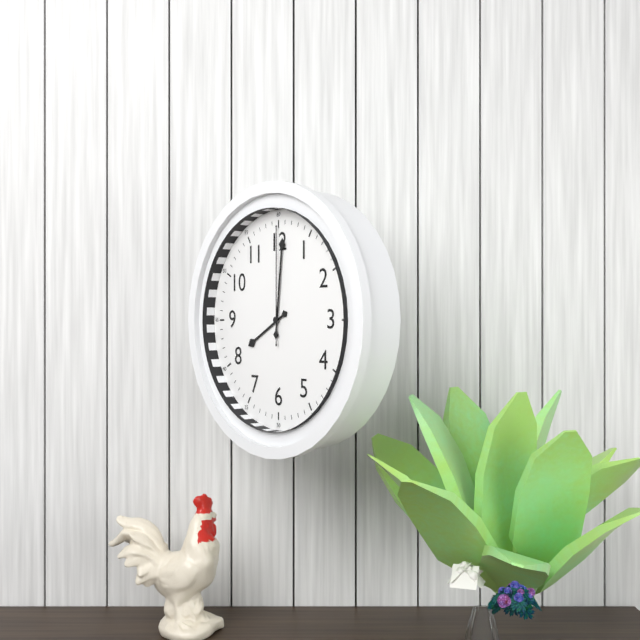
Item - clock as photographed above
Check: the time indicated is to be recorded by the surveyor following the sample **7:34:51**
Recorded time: **8:01:00**
